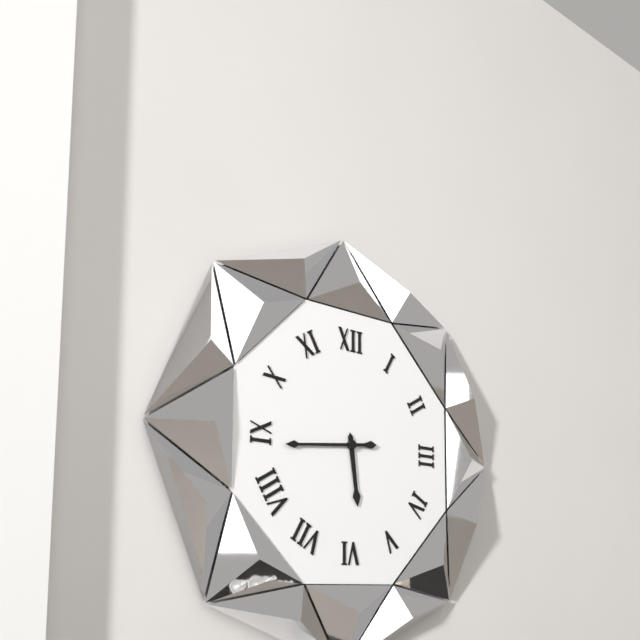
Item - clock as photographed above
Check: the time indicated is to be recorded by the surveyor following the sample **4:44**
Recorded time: **5:44**
